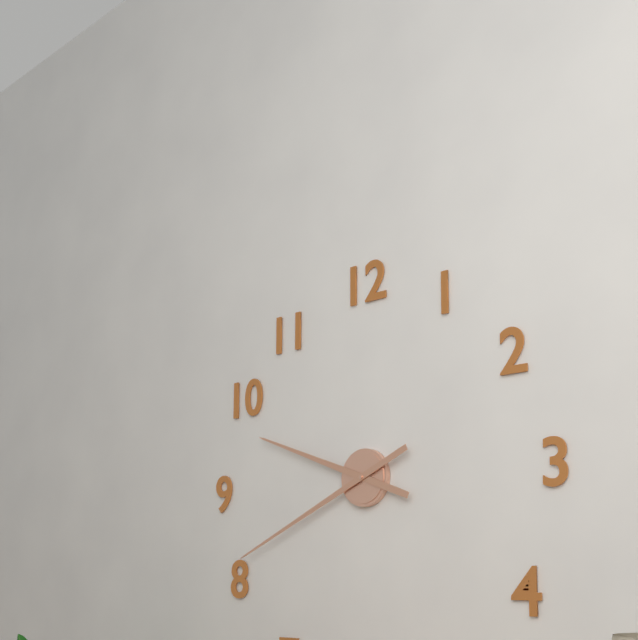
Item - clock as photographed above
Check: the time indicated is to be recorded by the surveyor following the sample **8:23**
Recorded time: **9:41**
